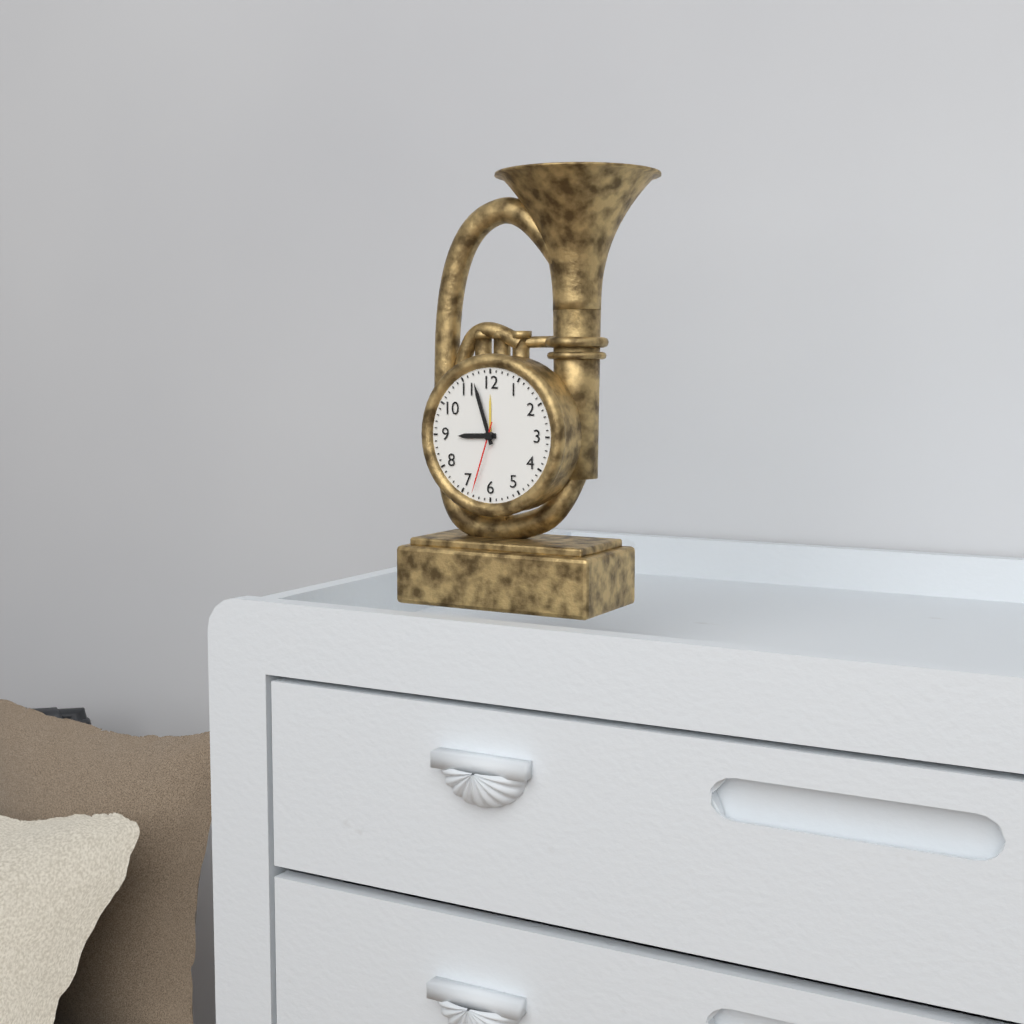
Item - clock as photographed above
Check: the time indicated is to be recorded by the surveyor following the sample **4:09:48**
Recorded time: **8:57:33**
